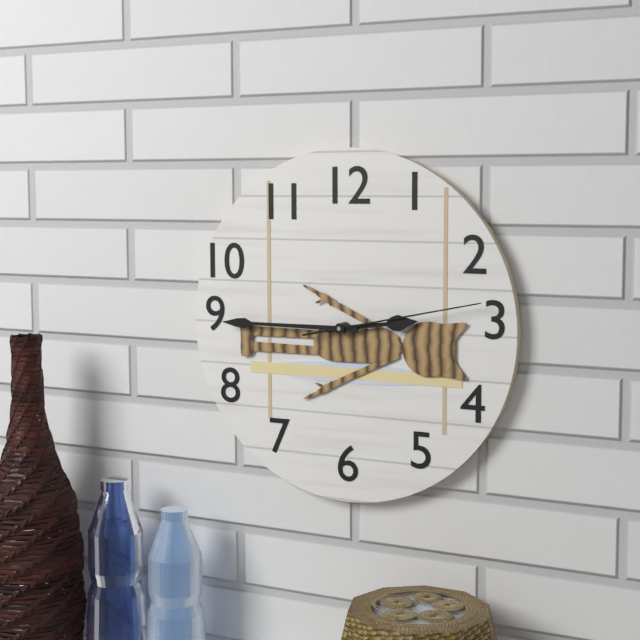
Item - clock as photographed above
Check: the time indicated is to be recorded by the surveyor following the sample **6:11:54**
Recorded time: **2:45:13**
